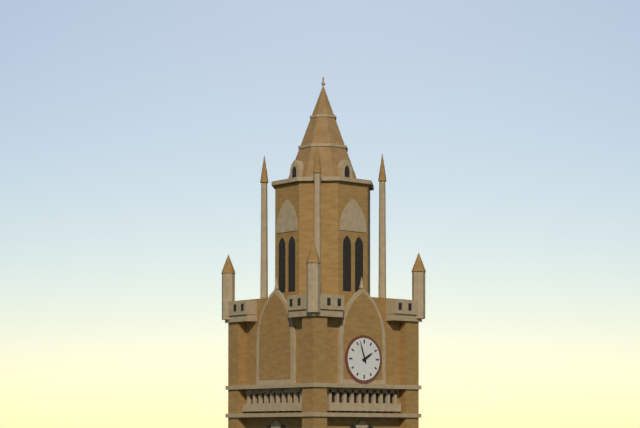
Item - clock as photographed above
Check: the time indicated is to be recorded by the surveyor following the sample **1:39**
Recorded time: **1:57**
